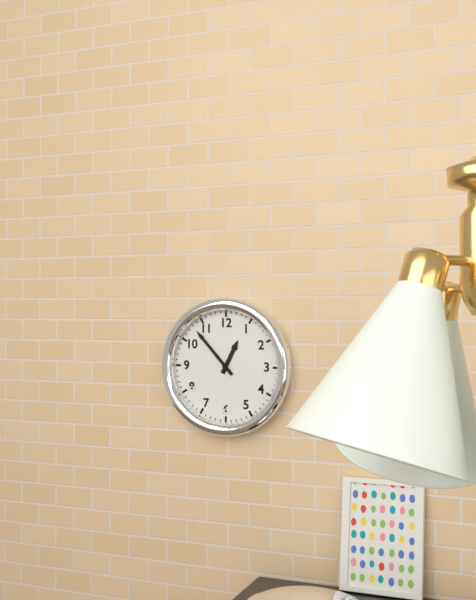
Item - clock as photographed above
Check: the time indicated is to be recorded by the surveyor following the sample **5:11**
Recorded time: **12:53**
